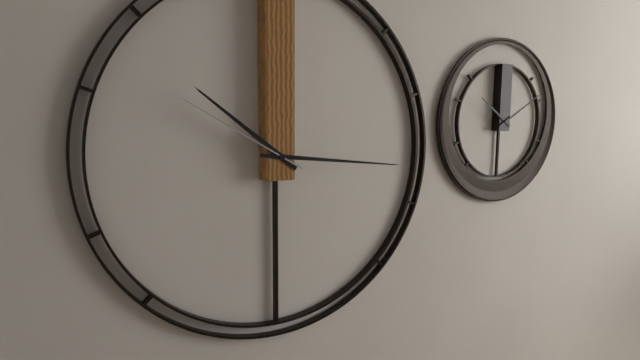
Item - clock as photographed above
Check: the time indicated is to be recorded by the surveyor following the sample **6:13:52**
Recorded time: **10:16:50**
